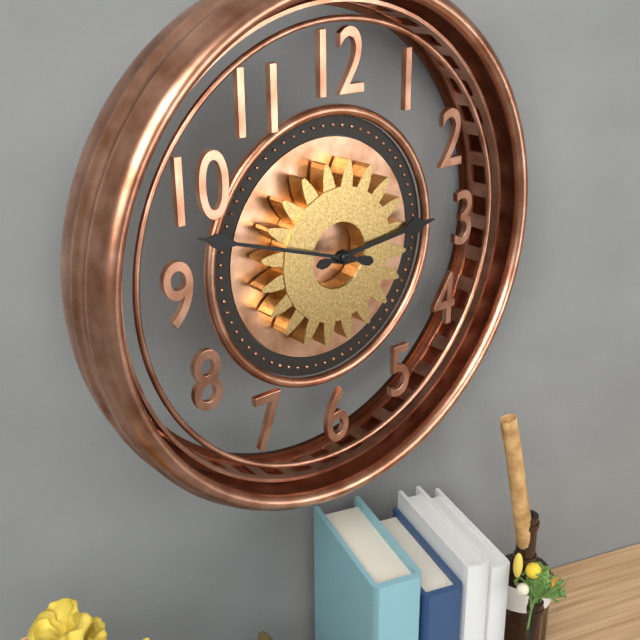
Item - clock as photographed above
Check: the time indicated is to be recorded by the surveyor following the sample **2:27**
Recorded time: **2:48**
